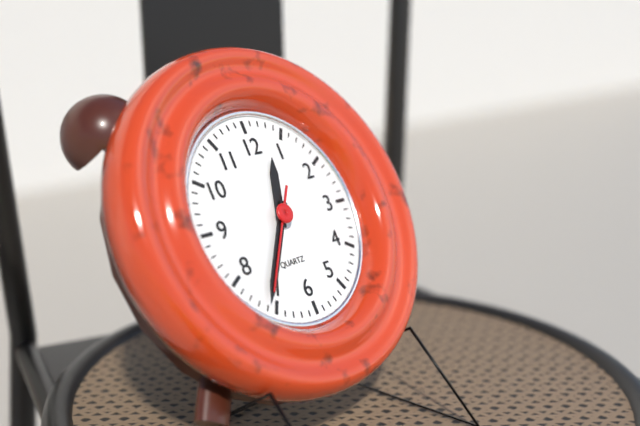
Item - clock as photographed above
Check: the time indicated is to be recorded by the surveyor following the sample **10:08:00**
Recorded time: **12:36:36**
